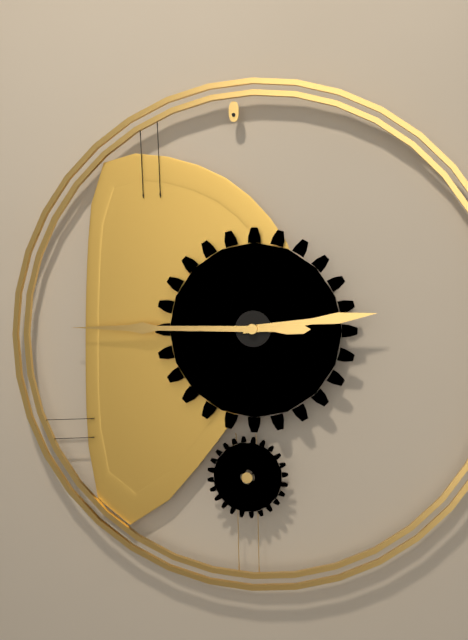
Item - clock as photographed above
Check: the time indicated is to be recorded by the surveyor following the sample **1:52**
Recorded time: **2:45**
